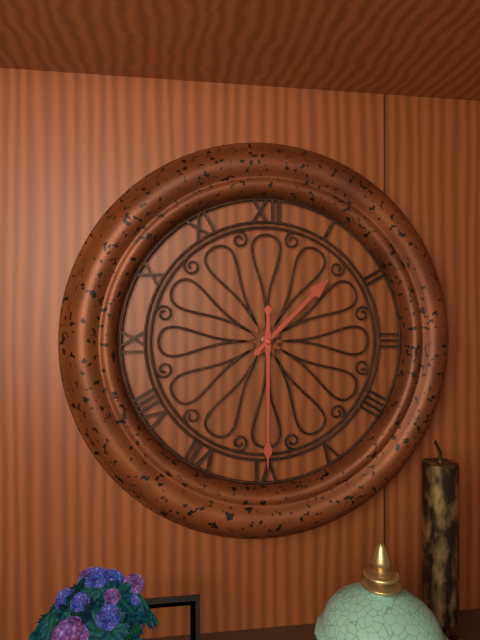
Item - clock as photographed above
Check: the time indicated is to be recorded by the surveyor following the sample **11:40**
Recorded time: **1:30**
